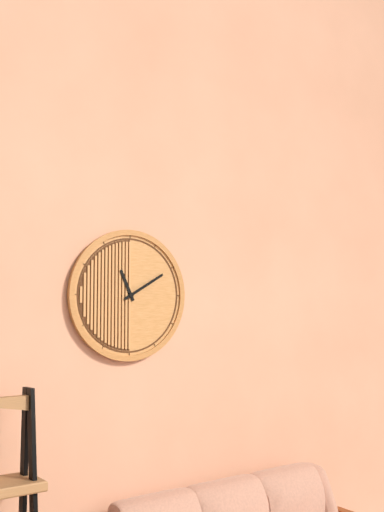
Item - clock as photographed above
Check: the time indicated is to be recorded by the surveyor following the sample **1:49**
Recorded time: **11:10**
